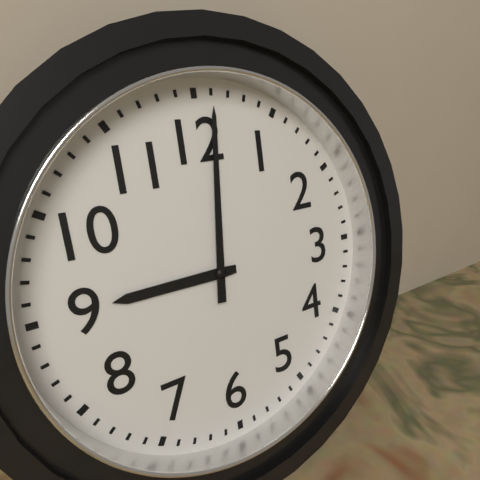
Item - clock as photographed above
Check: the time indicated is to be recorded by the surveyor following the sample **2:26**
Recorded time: **9:01**
